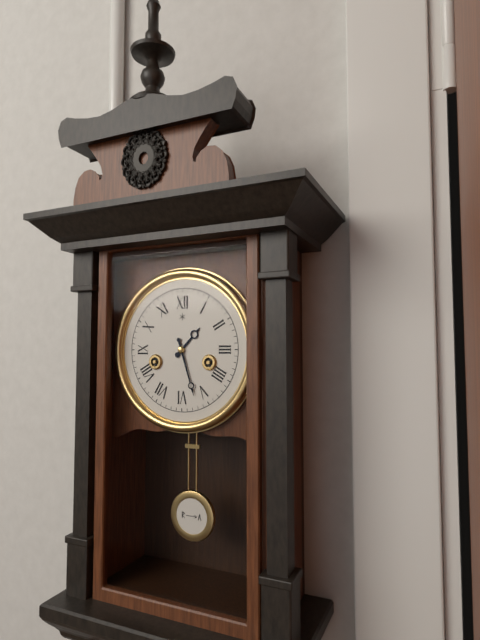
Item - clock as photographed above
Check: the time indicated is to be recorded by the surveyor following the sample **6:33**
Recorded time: **1:27**
